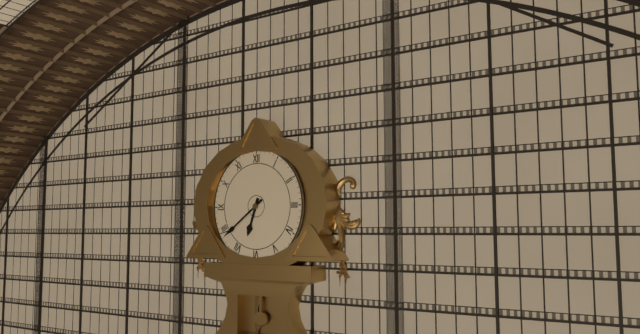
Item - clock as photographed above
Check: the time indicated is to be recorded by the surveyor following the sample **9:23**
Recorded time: **6:39**
